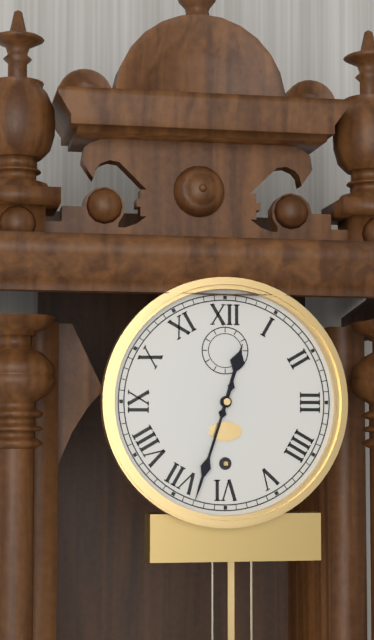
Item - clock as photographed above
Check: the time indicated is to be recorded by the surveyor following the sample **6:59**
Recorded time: **12:33**
